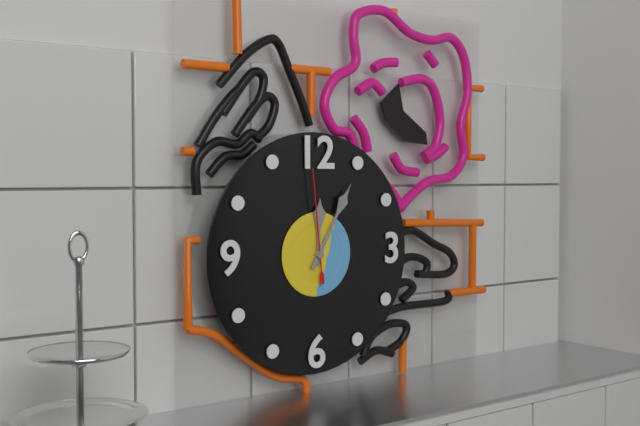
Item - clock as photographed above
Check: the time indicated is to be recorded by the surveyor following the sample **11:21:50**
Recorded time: **12:05:59**
